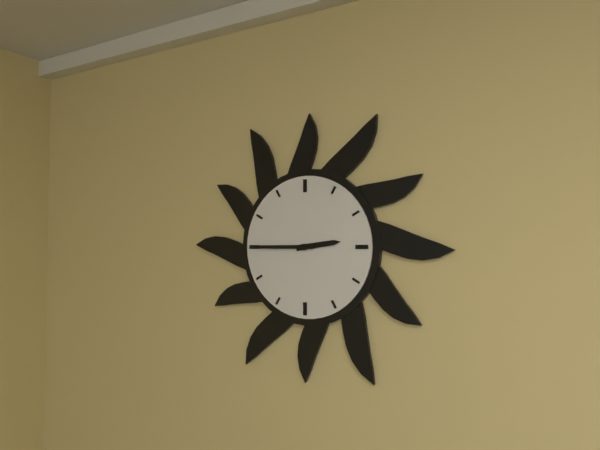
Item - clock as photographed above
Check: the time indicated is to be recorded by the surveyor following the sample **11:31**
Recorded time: **2:45**
